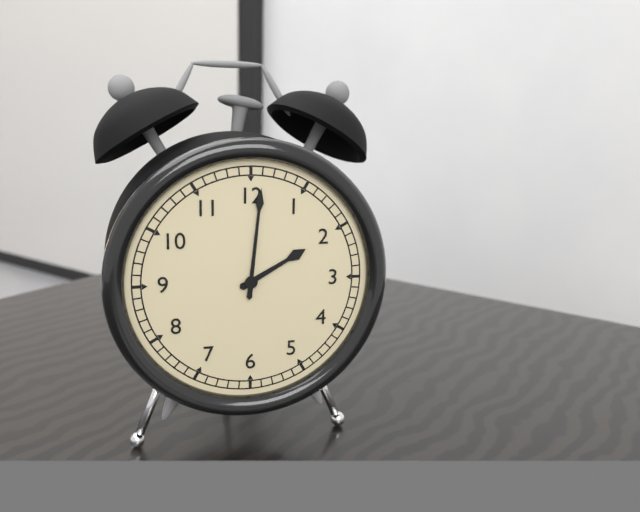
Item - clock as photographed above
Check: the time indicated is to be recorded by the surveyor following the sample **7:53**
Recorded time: **2:01**
